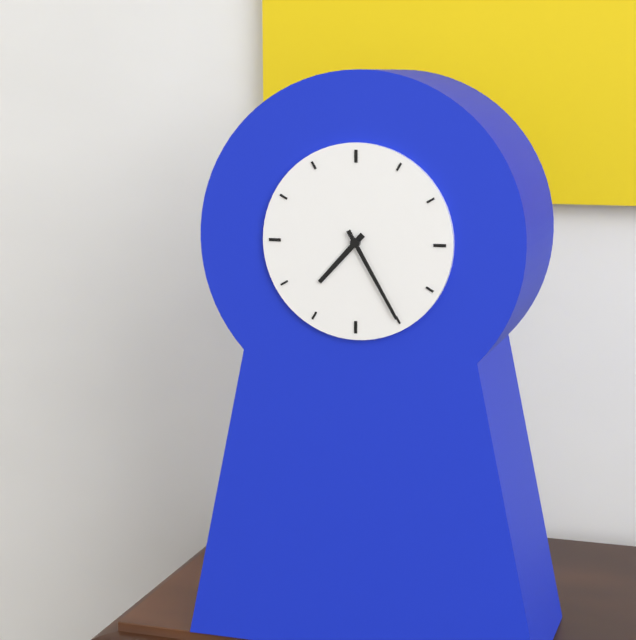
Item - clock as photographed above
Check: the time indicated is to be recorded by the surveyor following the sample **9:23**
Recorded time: **7:25**
